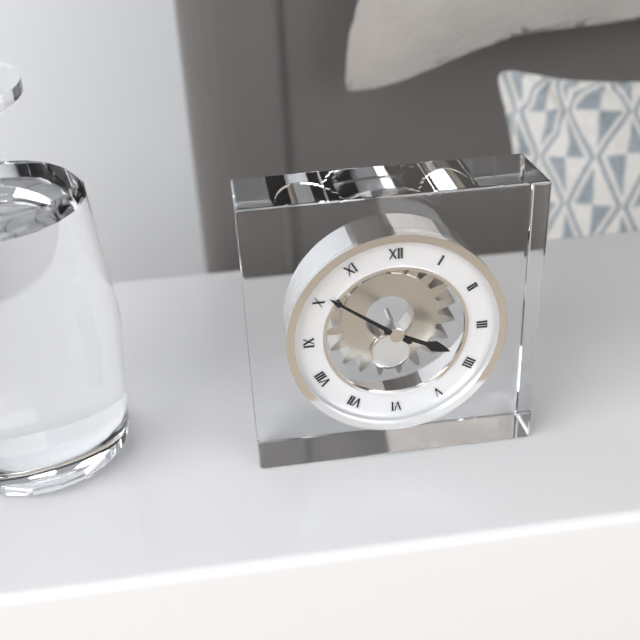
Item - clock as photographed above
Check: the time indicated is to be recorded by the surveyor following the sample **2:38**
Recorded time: **3:51**
